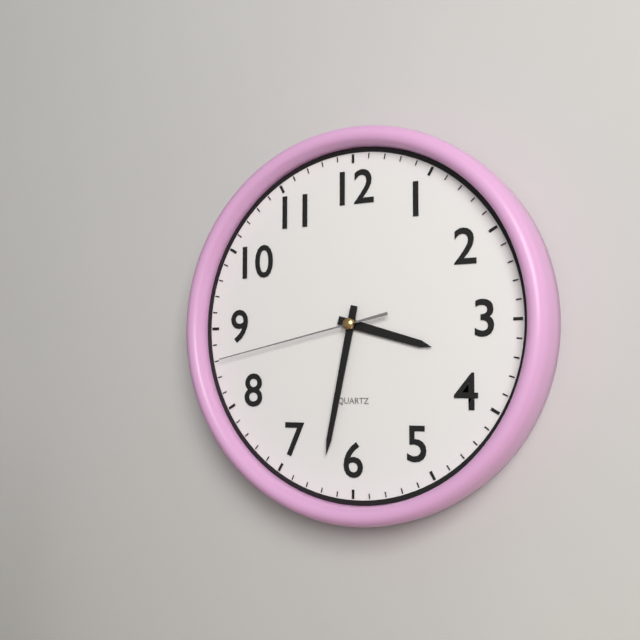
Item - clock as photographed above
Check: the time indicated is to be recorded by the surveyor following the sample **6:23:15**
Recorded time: **3:32:43**
